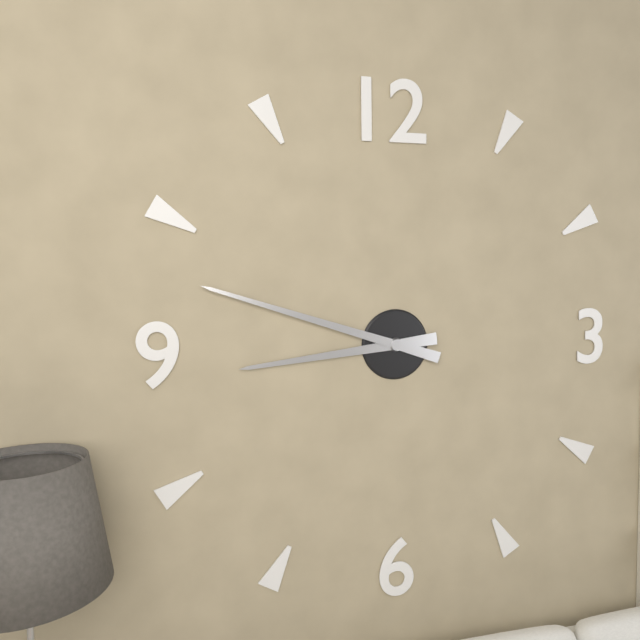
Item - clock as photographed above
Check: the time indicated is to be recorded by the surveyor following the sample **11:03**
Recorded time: **8:48**
